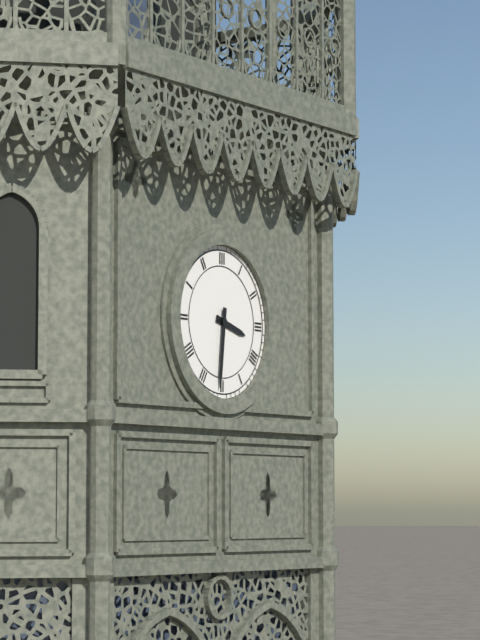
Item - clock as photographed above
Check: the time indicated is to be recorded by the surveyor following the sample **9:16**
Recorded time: **3:31**
